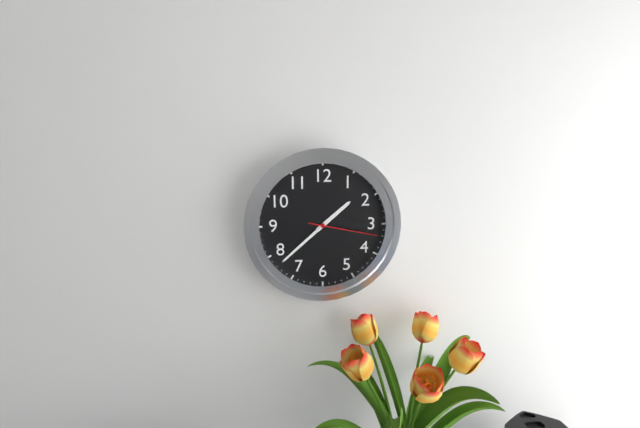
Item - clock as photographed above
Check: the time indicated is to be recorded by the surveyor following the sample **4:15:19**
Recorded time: **1:38:17**
